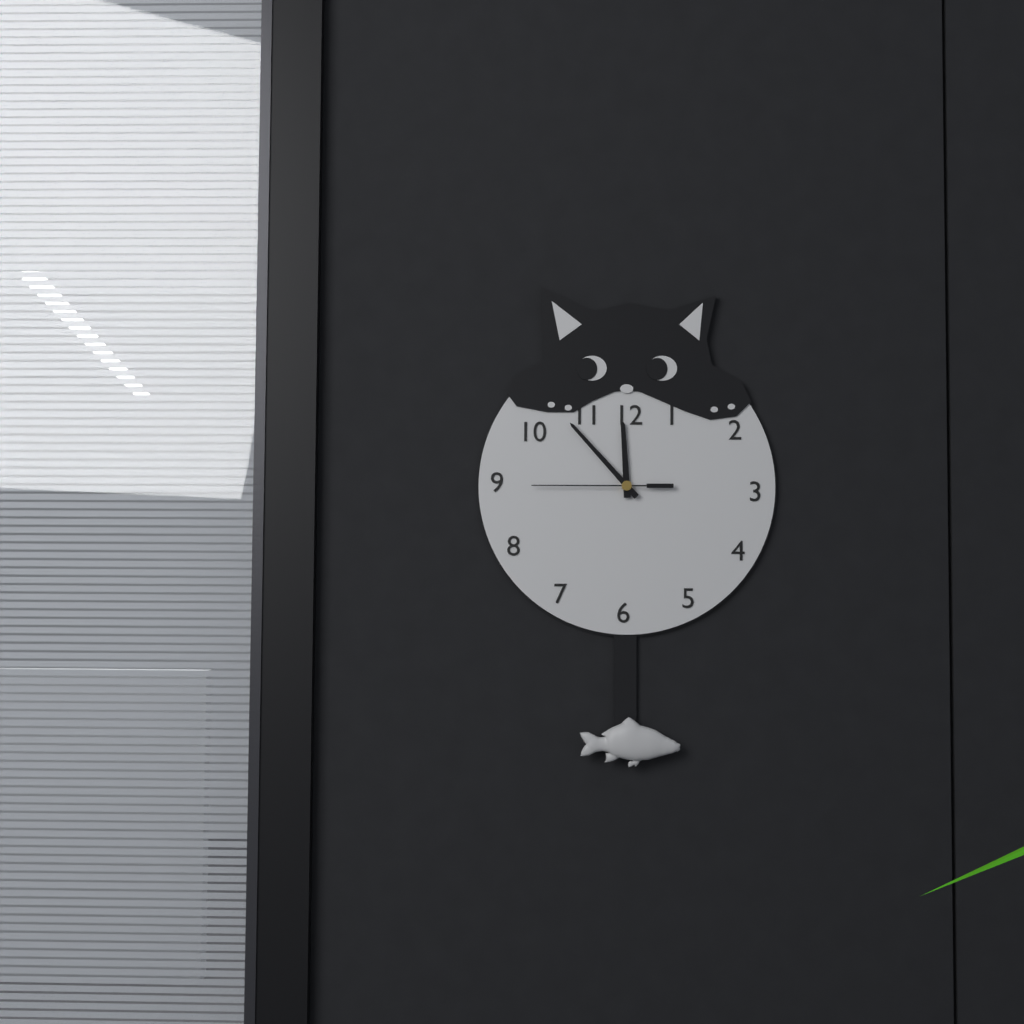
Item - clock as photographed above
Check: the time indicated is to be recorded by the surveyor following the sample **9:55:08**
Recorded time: **11:53:45**
